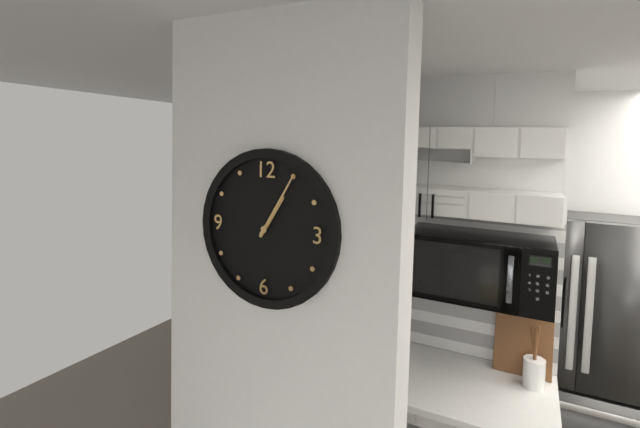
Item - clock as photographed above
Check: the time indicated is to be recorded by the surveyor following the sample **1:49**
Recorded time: **1:05**
